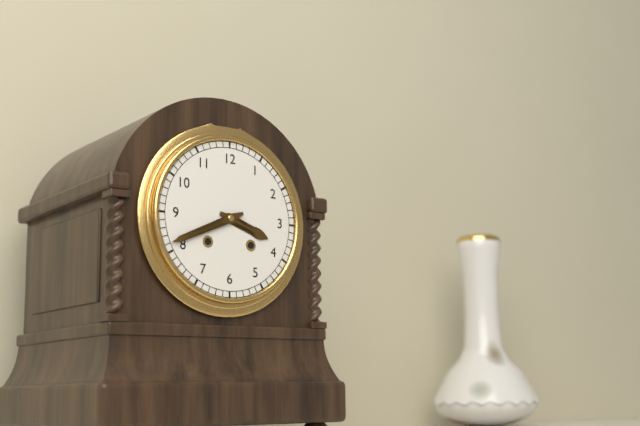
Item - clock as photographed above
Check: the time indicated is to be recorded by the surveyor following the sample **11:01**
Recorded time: **3:41**
